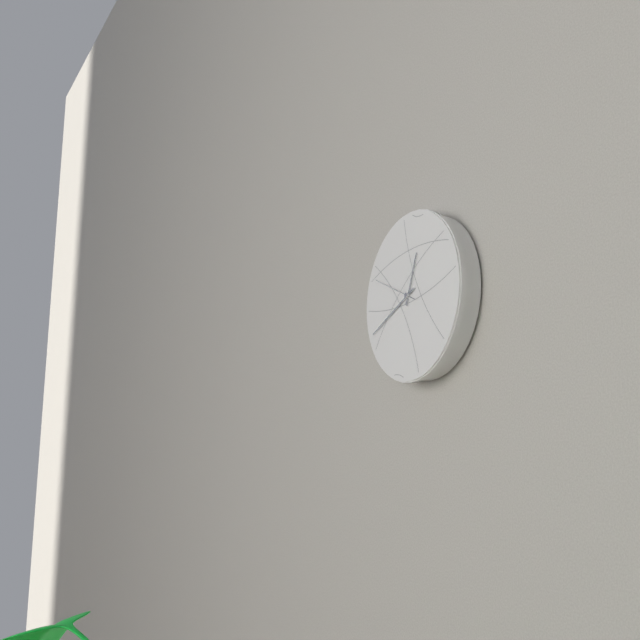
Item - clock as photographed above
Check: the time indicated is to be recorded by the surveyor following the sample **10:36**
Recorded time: **12:41**
